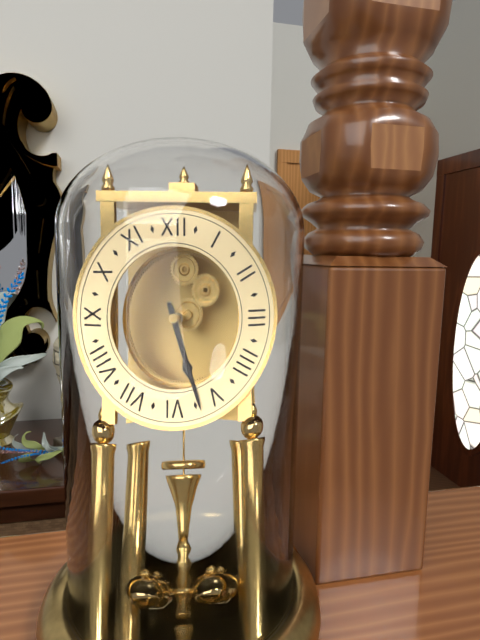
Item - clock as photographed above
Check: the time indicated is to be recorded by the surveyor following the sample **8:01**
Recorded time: **5:27**
